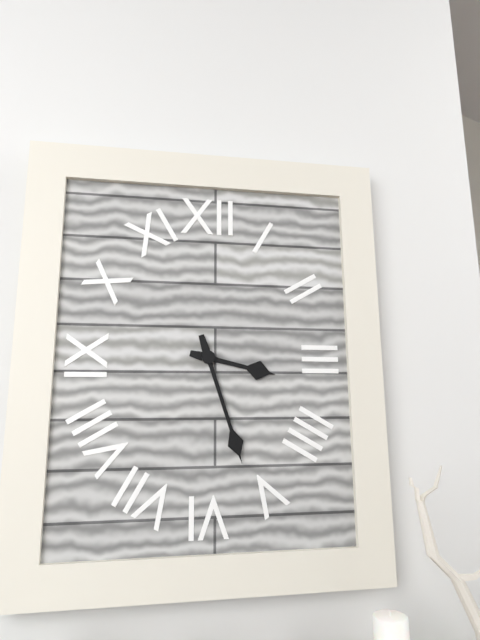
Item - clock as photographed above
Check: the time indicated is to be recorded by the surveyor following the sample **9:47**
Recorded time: **3:27**
